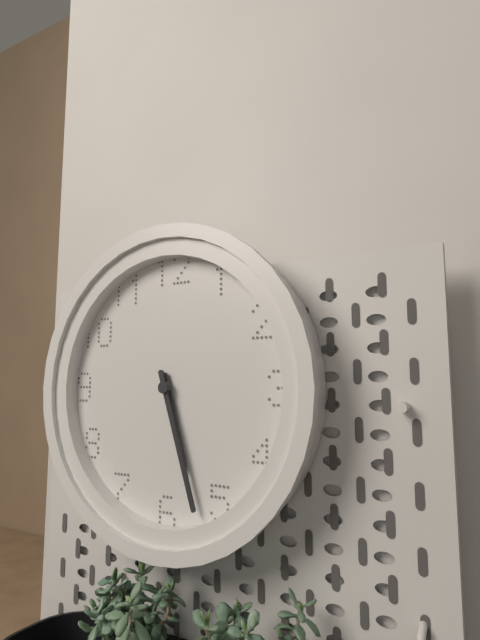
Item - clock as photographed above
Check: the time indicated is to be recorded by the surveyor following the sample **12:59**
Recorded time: **5:27**
